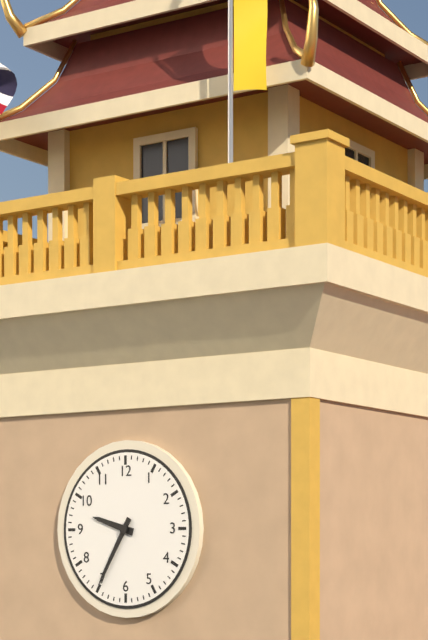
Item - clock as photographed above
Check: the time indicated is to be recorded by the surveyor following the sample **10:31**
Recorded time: **9:35**
